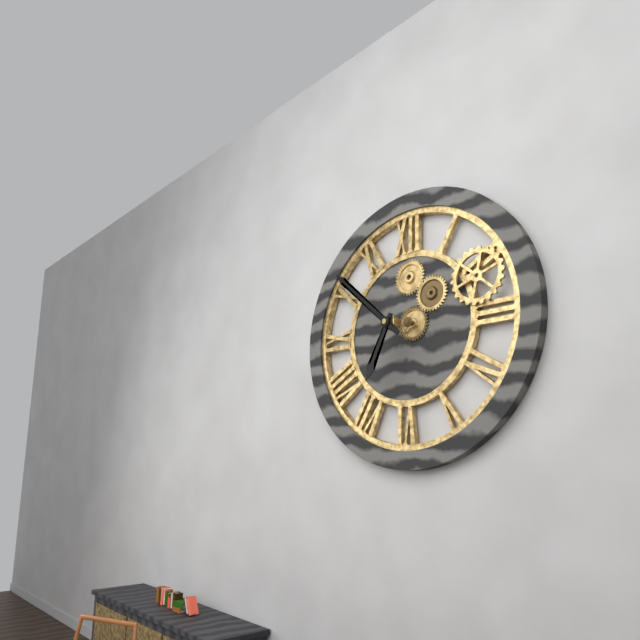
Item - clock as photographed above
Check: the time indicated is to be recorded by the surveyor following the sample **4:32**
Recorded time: **6:52**
